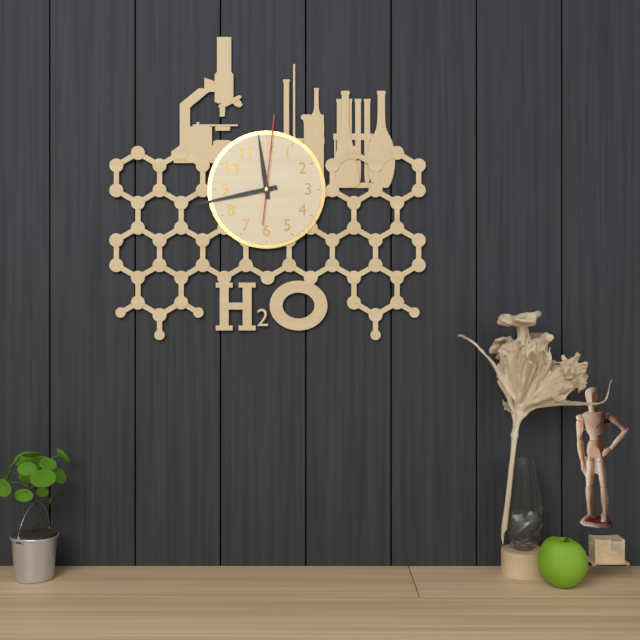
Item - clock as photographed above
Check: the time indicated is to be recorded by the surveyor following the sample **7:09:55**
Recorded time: **11:43:01**
